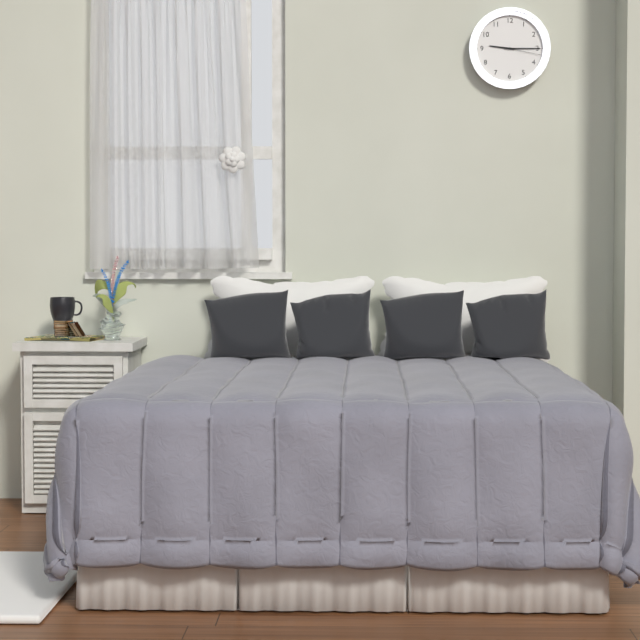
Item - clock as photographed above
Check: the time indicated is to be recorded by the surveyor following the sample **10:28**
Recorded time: **9:15**
